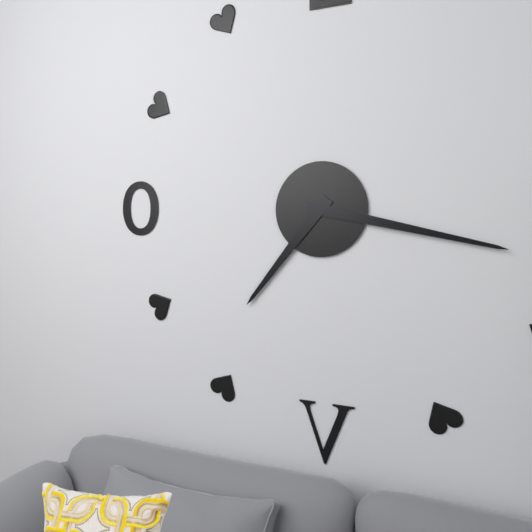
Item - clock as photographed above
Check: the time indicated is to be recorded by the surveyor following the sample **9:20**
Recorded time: **7:17**
